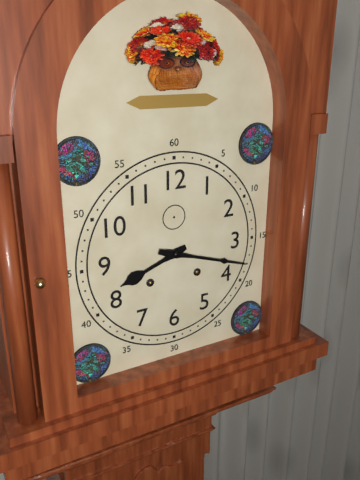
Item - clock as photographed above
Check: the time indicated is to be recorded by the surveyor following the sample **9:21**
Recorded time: **8:18**
